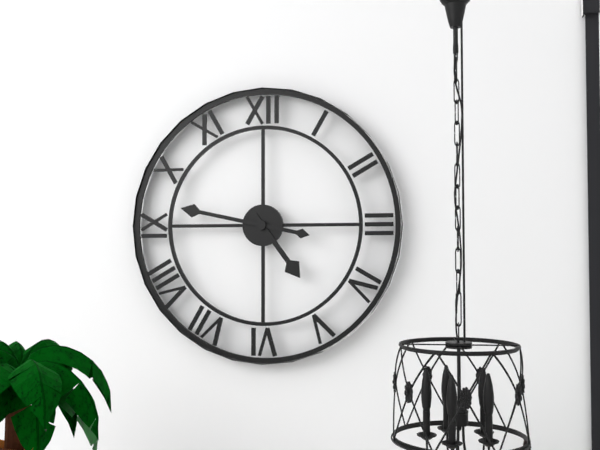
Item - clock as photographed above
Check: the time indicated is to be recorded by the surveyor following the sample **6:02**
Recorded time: **4:47**
